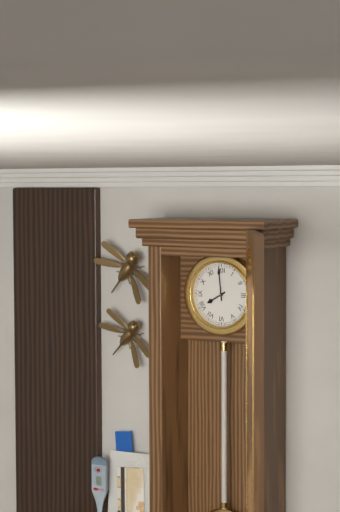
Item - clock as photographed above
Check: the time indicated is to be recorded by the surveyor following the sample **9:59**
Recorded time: **7:59**
